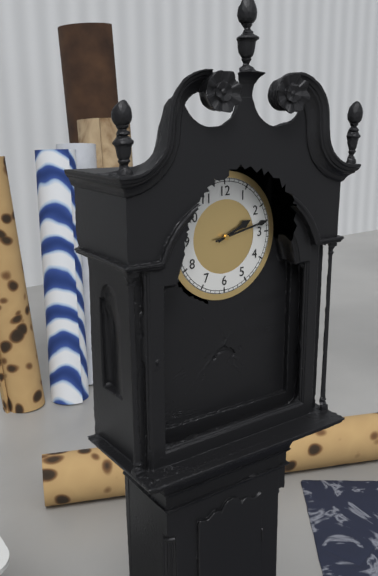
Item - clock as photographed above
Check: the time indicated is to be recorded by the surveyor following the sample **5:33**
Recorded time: **2:13**
